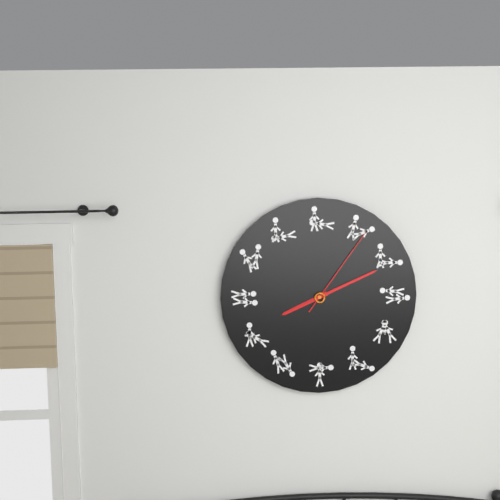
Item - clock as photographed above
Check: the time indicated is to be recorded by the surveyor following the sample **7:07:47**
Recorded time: **8:11:06**
